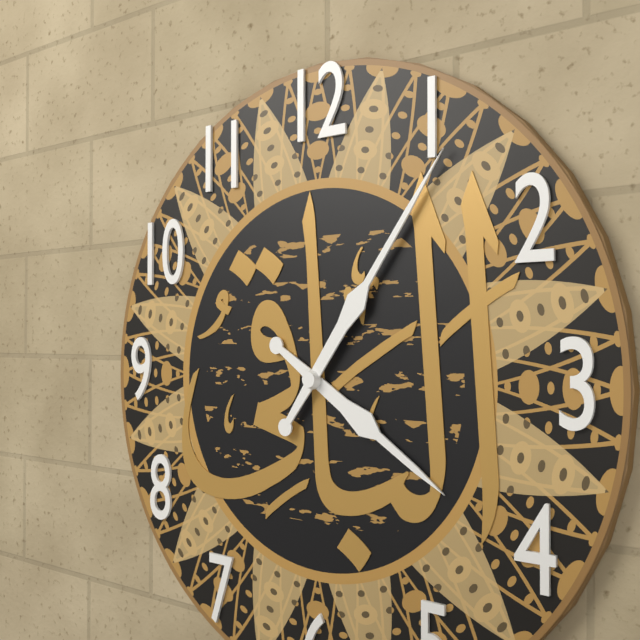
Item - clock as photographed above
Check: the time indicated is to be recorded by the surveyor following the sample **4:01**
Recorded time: **4:06**
